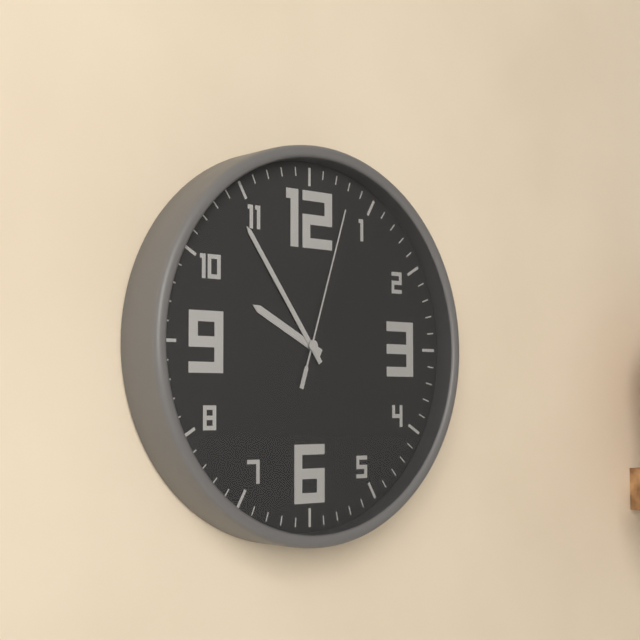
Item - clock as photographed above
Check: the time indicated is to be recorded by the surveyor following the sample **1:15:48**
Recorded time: **9:54:03**
